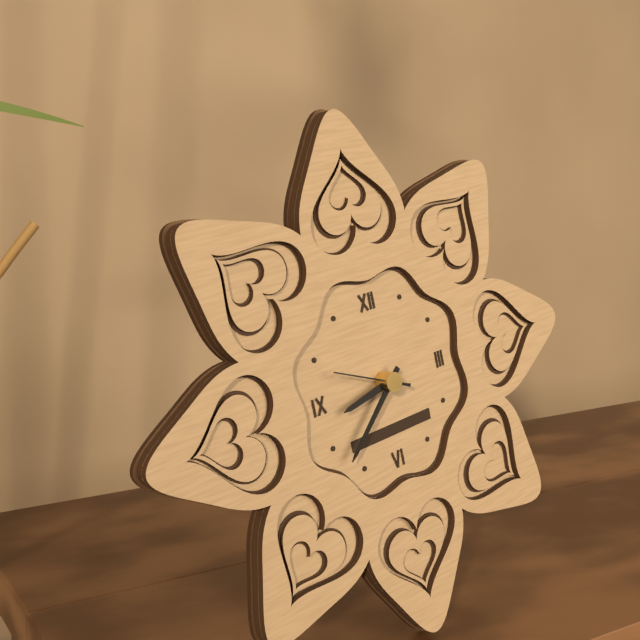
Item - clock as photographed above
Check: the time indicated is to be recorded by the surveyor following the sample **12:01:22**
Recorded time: **8:38:49**
